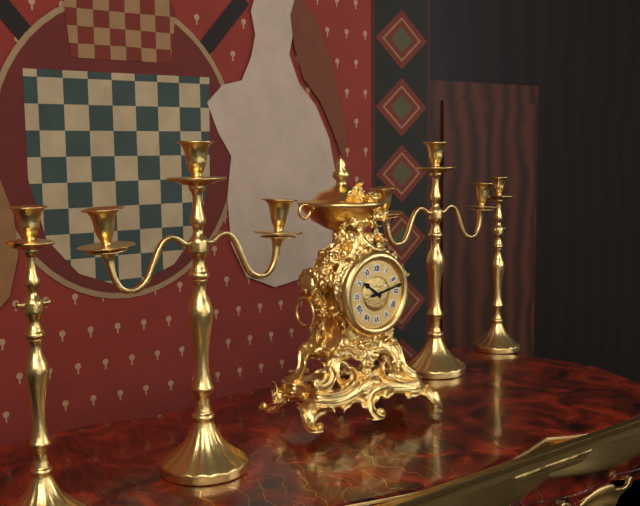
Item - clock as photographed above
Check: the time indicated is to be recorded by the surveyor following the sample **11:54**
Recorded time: **10:13**
